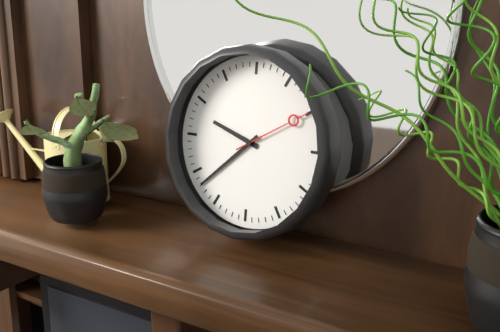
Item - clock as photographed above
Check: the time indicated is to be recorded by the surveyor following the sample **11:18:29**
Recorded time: **9:38:10**
